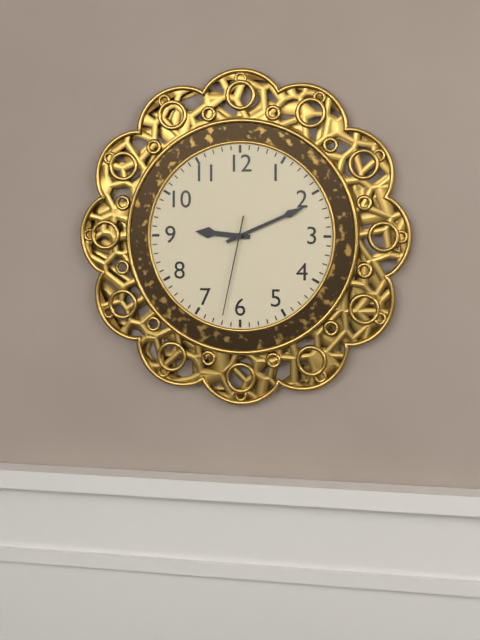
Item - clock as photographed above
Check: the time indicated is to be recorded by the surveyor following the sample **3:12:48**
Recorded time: **9:11:32**
